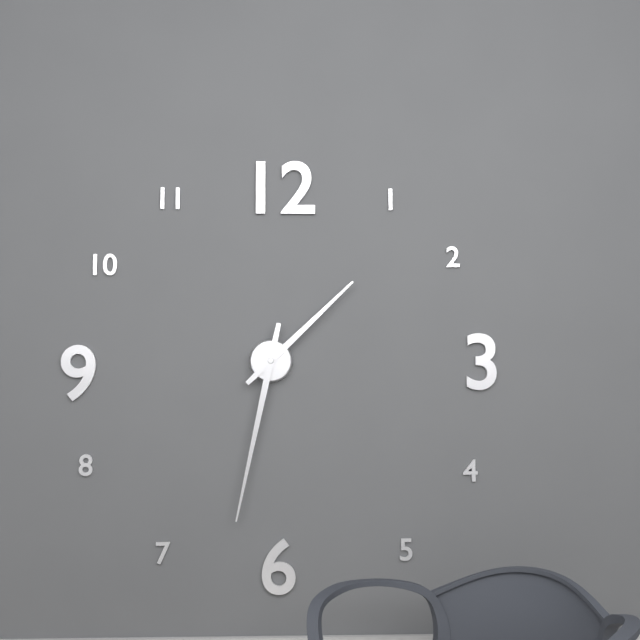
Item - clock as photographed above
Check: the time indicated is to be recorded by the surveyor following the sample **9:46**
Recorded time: **1:32**
